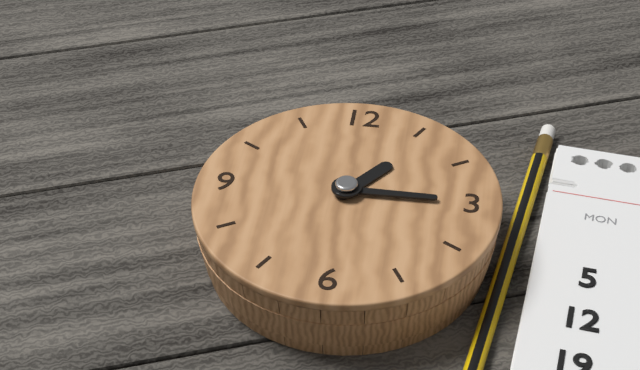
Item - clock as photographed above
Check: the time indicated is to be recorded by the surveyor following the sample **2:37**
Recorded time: **1:15**
